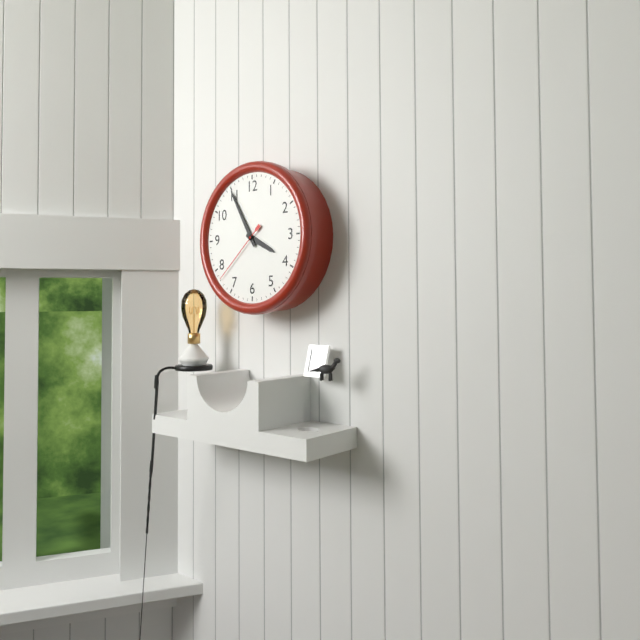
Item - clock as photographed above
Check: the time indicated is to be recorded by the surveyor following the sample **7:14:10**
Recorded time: **3:55:38**
